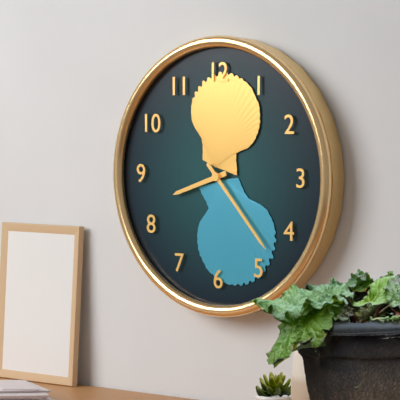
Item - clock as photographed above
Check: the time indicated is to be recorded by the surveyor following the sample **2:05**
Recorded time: **8:23**
